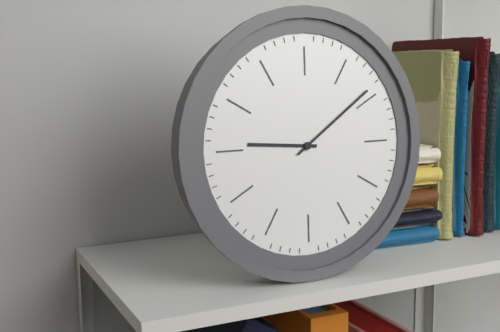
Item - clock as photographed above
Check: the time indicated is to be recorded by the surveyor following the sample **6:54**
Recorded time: **9:09**
